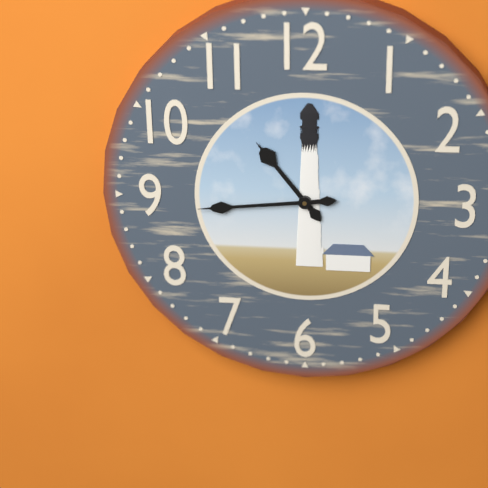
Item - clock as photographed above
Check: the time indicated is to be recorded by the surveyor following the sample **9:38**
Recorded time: **10:44**
